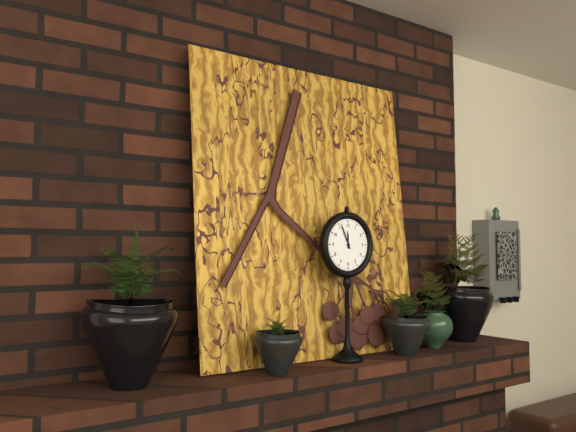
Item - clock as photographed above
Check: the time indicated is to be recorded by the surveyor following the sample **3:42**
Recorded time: **11:56**
